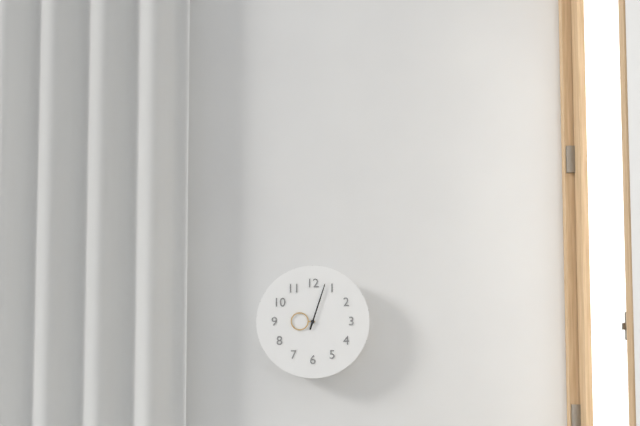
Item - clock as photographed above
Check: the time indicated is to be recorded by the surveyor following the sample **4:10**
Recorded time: **9:03**
